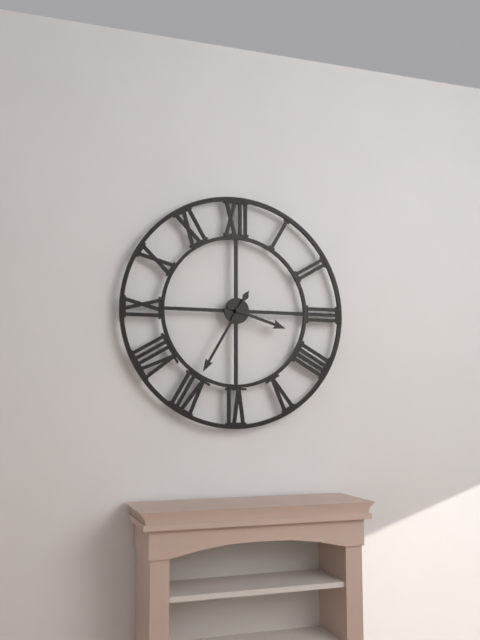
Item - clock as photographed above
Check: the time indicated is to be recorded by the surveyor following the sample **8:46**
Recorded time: **3:35**
